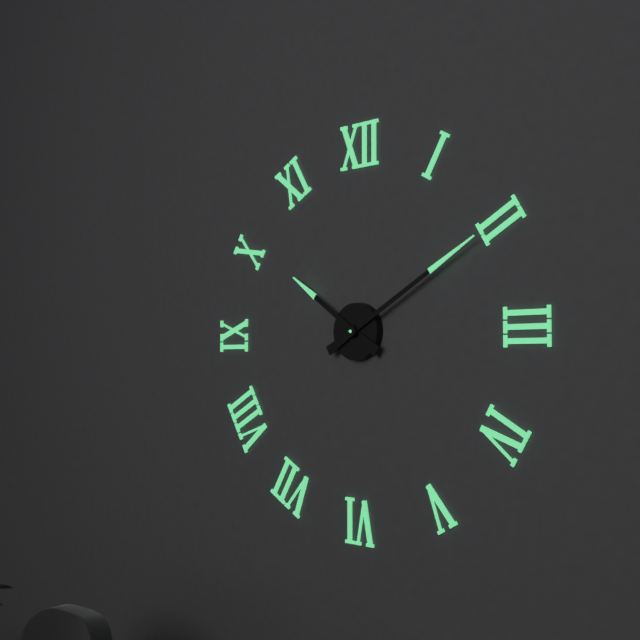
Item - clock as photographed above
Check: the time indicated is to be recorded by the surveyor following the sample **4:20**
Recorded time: **10:10**
